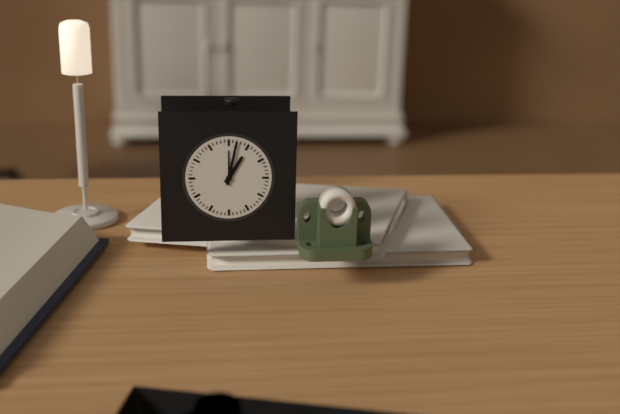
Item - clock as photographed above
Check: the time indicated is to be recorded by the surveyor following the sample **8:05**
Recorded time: **1:02**
